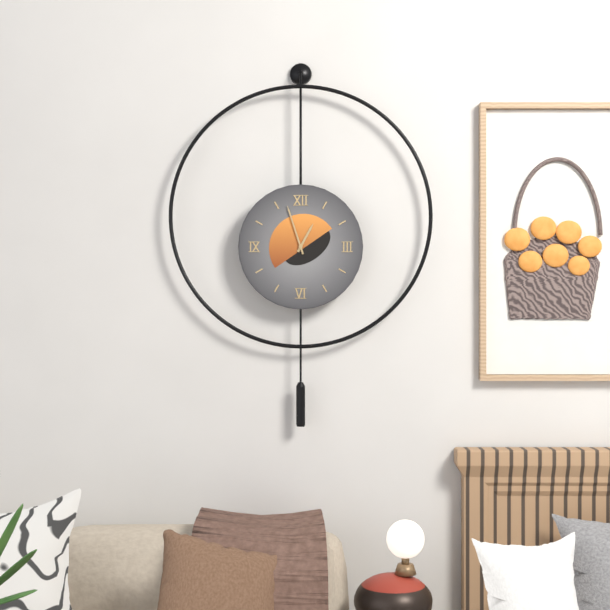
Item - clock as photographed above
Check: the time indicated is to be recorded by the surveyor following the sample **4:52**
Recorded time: **12:57**
